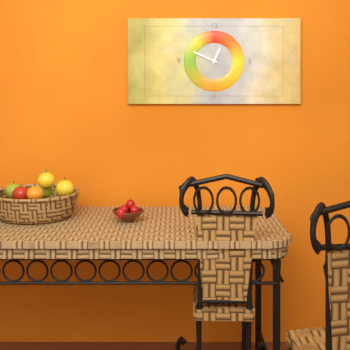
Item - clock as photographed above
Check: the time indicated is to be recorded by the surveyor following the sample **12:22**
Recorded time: **12:49**
